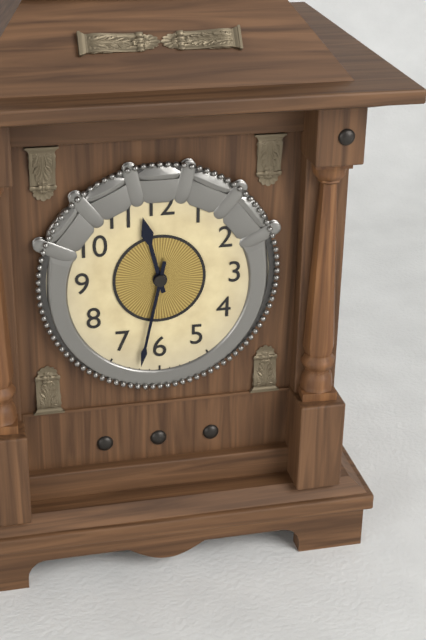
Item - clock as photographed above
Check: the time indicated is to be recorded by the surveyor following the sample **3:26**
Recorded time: **11:32**
